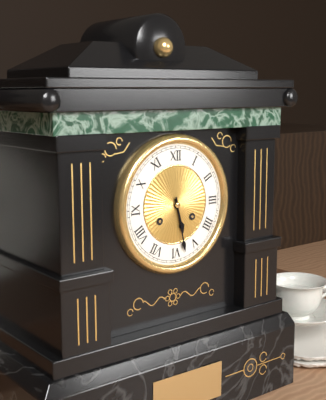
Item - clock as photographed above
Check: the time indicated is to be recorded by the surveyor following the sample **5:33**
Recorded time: **5:28**
